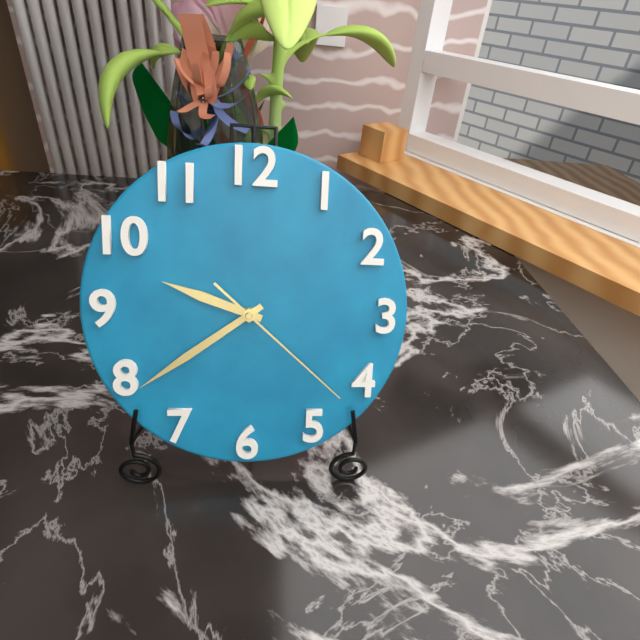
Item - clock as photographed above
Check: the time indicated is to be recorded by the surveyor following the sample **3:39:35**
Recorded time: **9:39:22**
